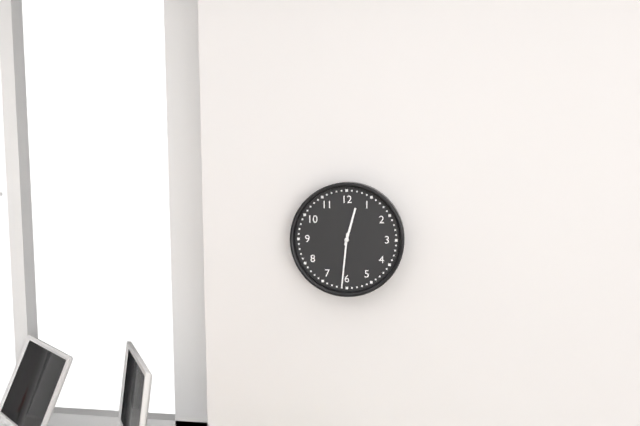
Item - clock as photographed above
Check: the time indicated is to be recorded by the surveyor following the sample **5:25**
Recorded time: **12:31**
